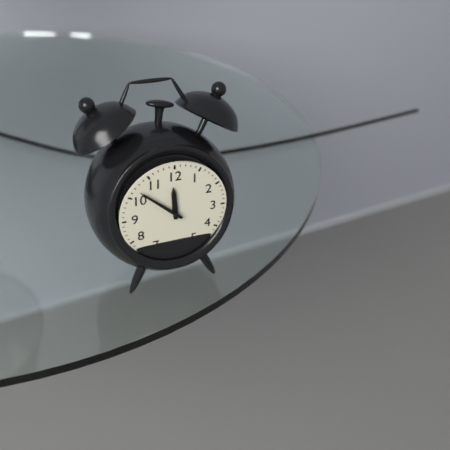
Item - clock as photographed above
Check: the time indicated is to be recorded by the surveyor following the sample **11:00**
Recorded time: **11:52**
